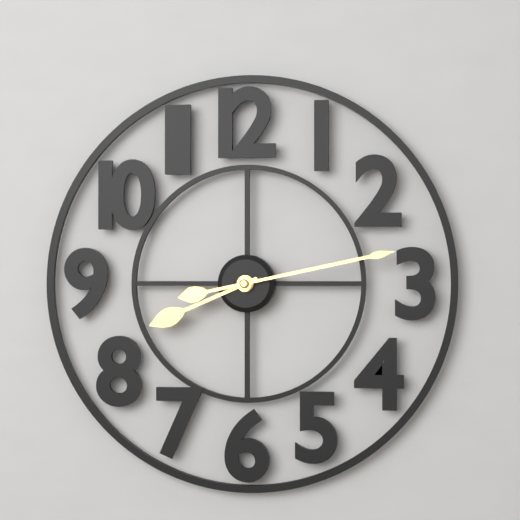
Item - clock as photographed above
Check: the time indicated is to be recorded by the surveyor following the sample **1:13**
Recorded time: **8:13**
